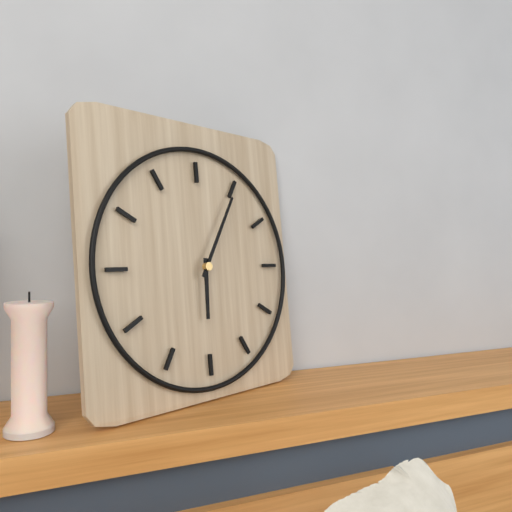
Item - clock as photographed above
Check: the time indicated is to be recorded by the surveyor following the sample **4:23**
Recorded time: **6:05**
